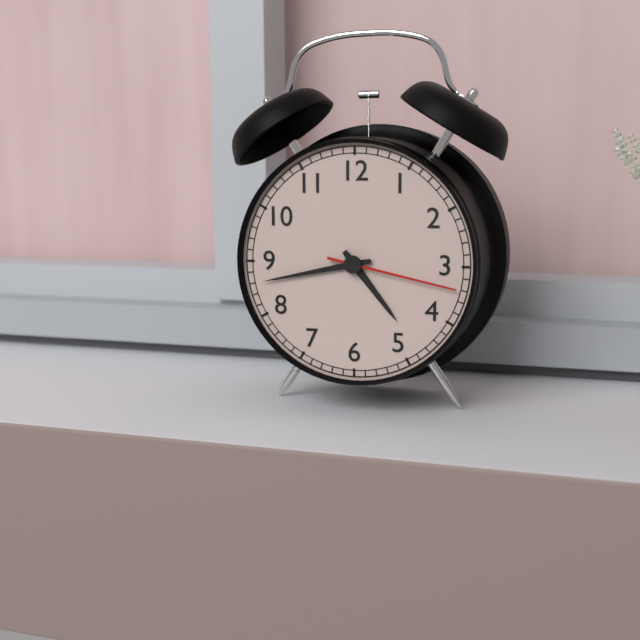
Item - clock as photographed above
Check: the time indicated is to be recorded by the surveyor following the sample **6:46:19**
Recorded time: **4:43:17**
